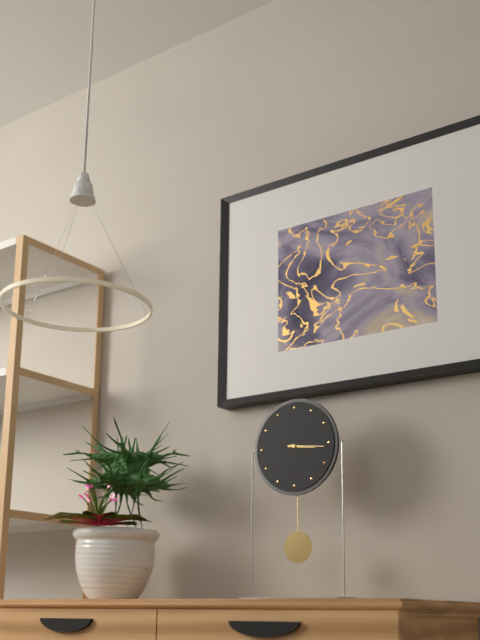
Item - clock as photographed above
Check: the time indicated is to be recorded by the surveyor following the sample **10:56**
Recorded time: **3:16**
